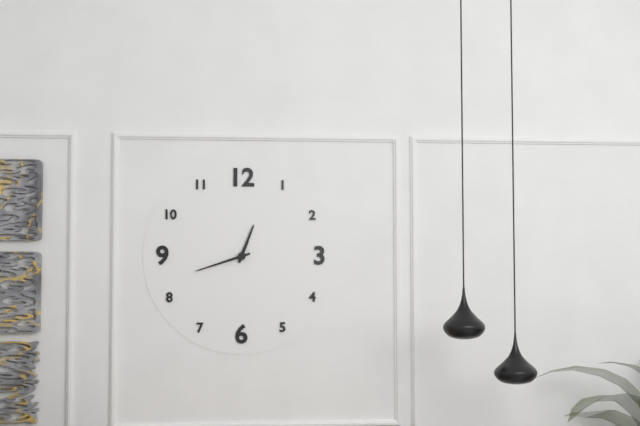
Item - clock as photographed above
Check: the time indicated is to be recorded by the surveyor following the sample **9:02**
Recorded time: **12:42**
